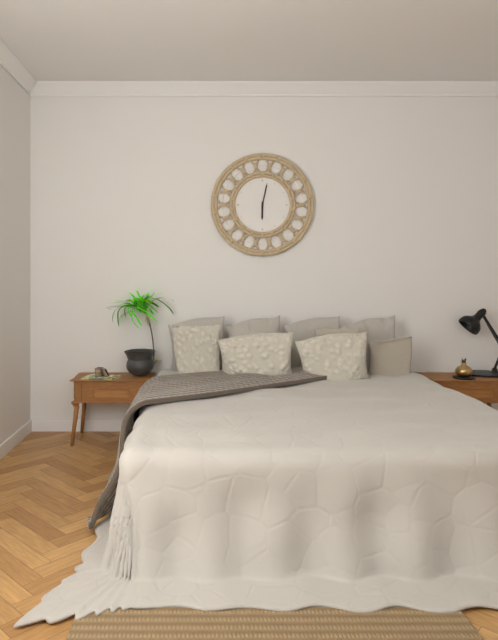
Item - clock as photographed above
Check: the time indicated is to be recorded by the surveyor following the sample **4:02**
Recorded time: **6:02**
